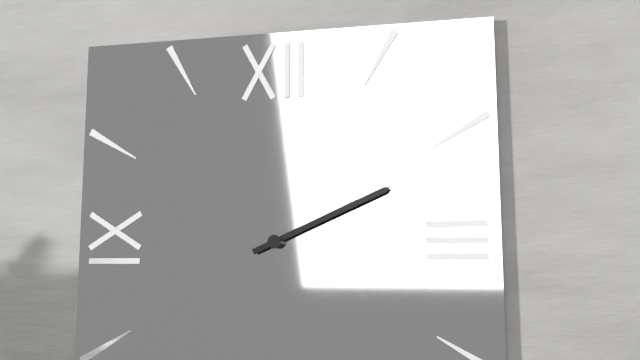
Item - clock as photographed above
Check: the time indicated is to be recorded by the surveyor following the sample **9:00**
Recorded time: **2:11**
